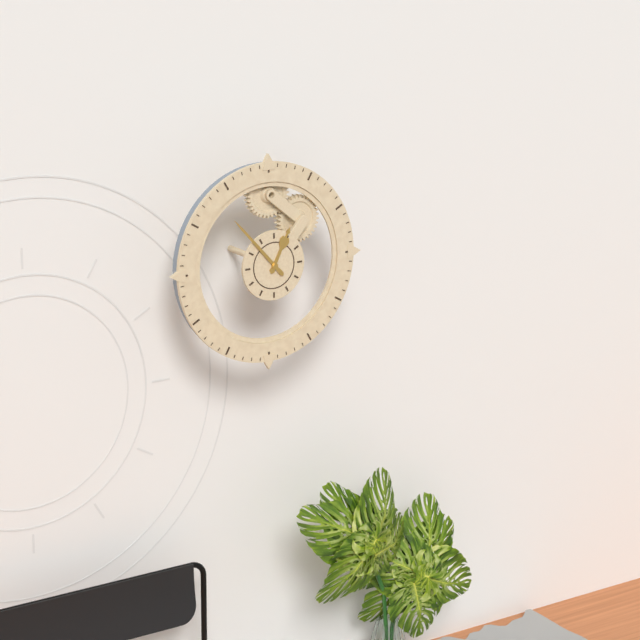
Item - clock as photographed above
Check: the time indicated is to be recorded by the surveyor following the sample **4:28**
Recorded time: **12:53**
